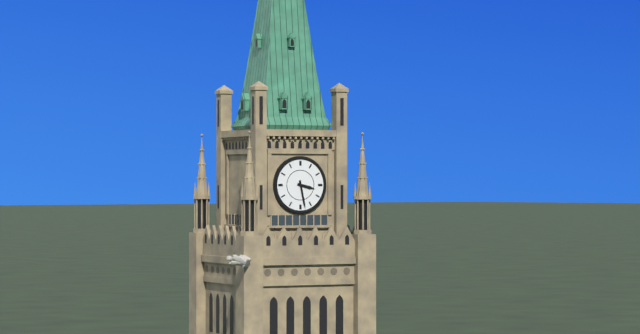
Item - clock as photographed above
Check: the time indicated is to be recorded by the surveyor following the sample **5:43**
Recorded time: **3:28**
